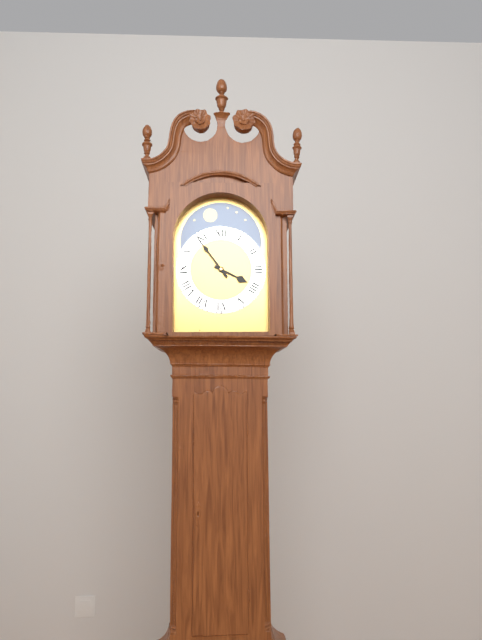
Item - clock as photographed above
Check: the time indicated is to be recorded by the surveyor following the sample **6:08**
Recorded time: **3:54**
